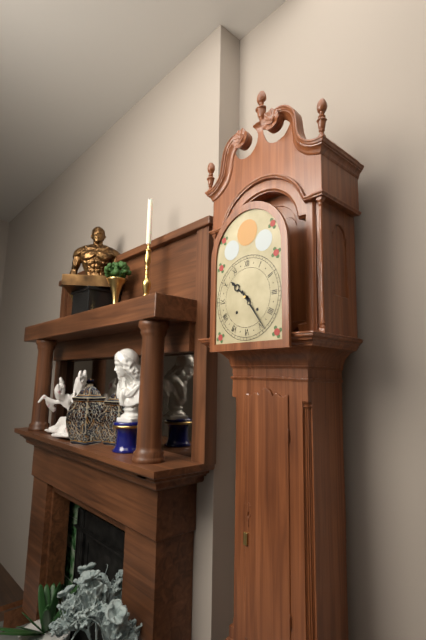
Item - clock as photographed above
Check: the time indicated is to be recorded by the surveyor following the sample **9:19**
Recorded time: **10:24**
